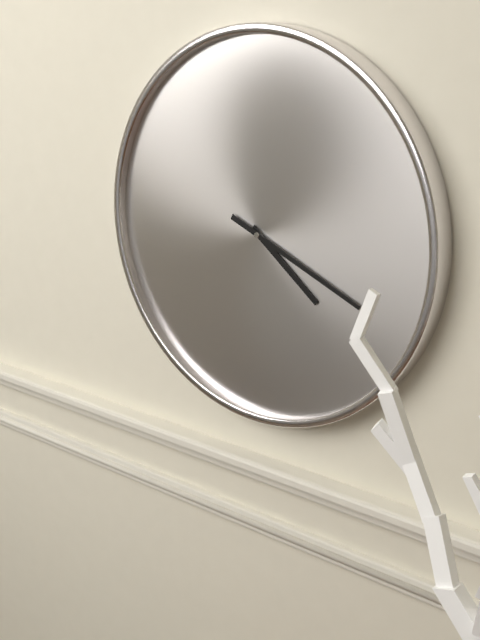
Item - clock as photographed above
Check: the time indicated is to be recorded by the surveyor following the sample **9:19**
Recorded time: **4:19**
